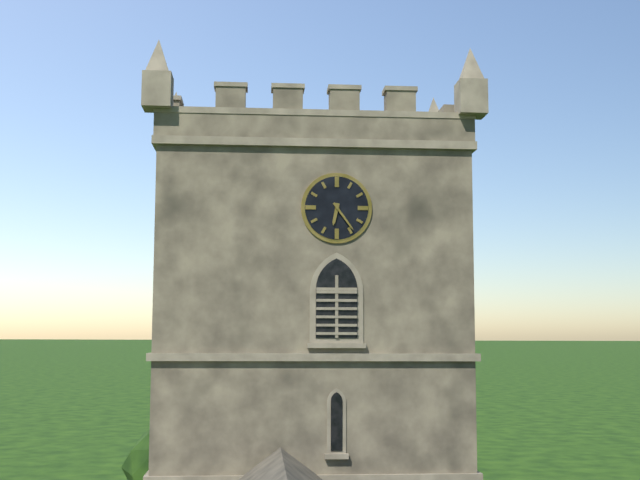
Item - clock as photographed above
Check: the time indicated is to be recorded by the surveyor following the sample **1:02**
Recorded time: **6:24**
